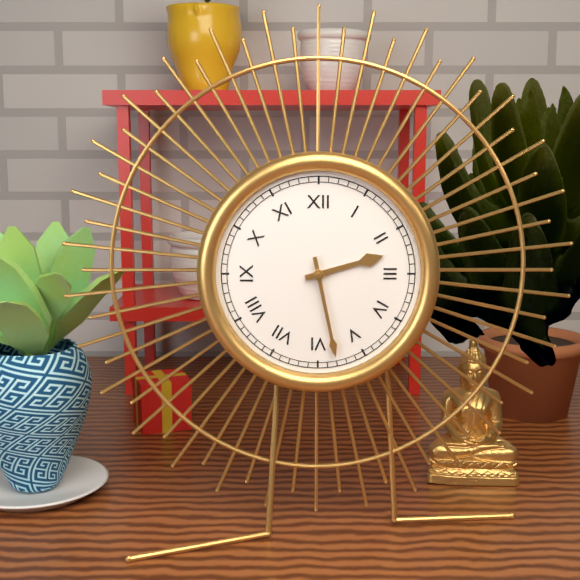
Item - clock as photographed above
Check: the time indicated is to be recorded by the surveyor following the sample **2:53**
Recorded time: **2:28**
